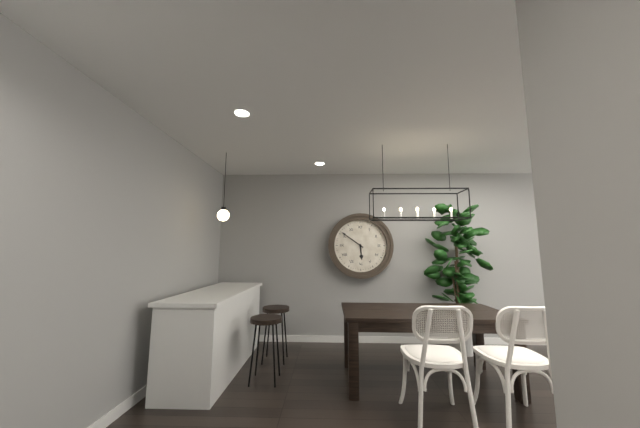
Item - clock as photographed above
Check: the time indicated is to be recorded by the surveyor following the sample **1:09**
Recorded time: **5:51**
